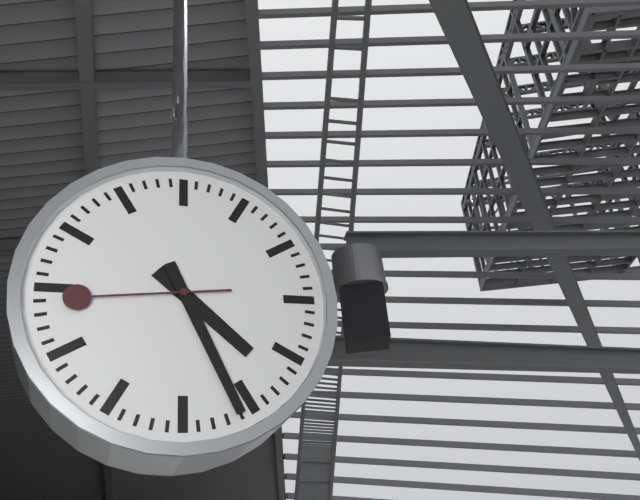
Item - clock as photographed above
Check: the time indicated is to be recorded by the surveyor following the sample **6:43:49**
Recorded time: **4:26:44**
